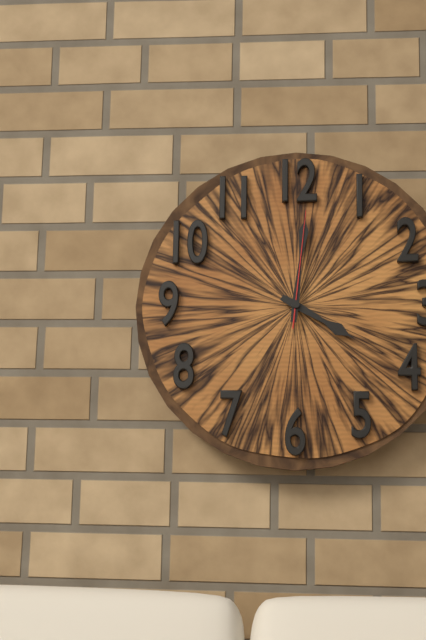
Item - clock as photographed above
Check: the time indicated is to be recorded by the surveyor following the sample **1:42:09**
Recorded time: **4:01:01**
